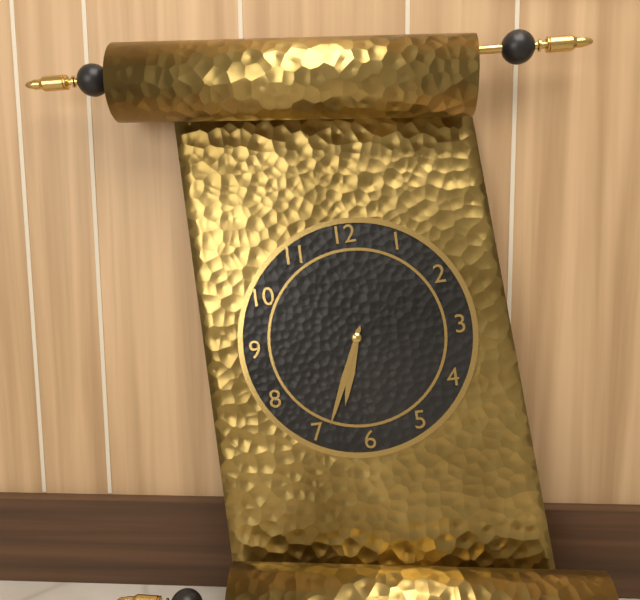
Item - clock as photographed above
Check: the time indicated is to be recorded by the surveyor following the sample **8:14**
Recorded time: **6:34**
